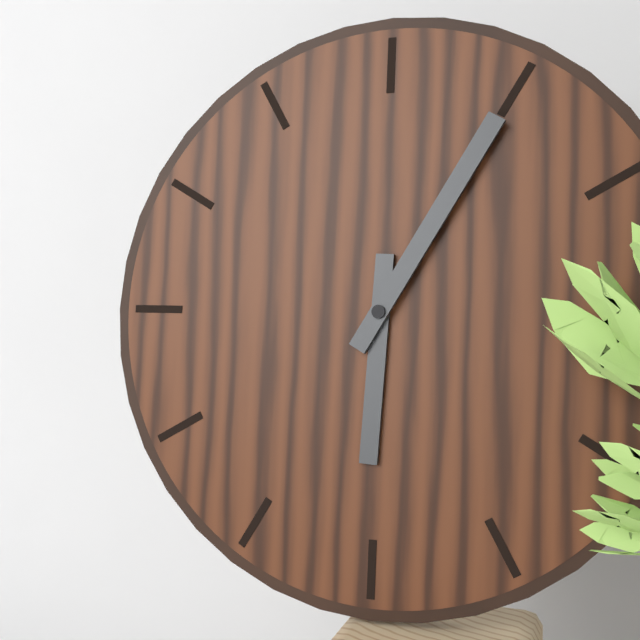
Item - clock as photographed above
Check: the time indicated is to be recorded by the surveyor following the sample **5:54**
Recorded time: **6:05**
